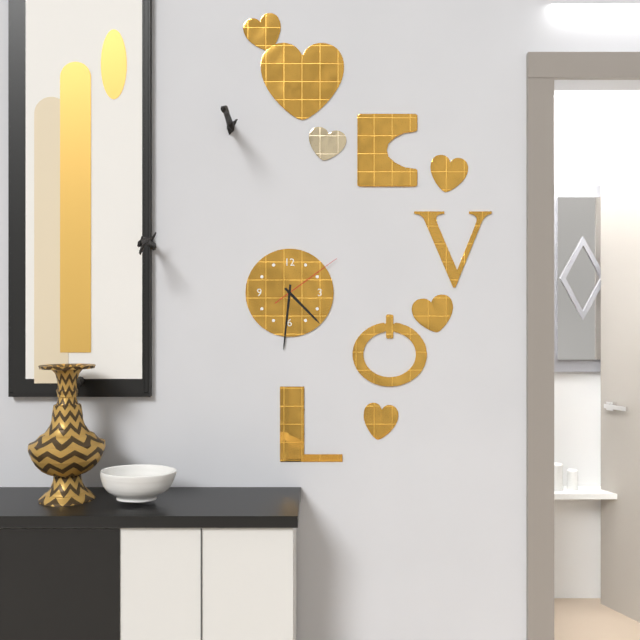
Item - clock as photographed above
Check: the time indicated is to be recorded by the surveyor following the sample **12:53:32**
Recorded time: **4:31:09**
